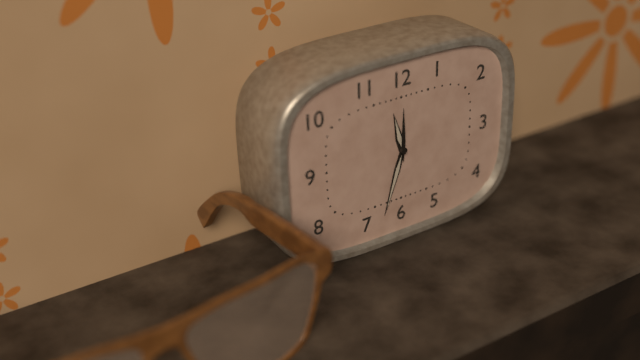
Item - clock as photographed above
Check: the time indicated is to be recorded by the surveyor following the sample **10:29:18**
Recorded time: **11:33:00**
